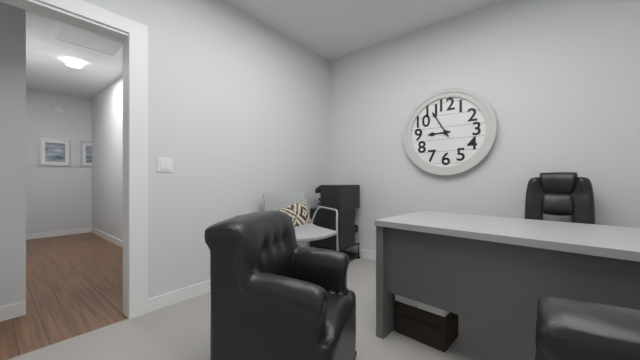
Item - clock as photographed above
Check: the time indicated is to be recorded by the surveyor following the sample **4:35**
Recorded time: **8:55**
